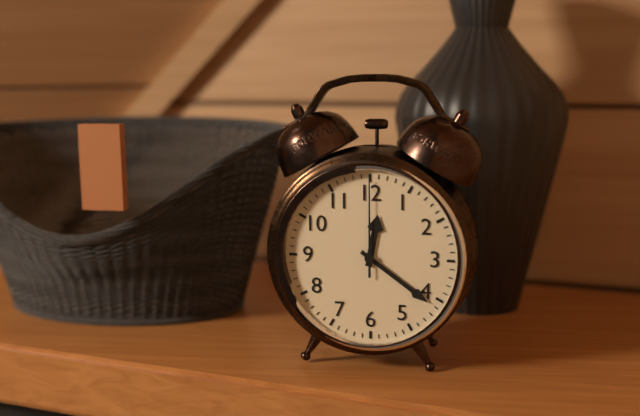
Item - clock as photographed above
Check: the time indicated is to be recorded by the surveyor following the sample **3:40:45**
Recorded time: **12:21:00**
